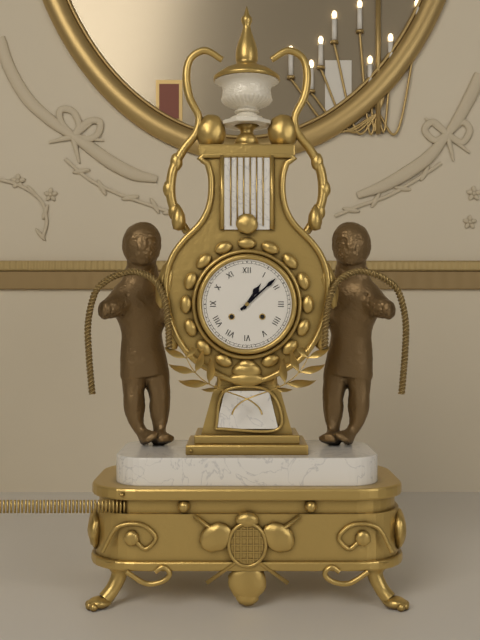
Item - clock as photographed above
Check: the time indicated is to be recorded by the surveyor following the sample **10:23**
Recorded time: **1:08**
